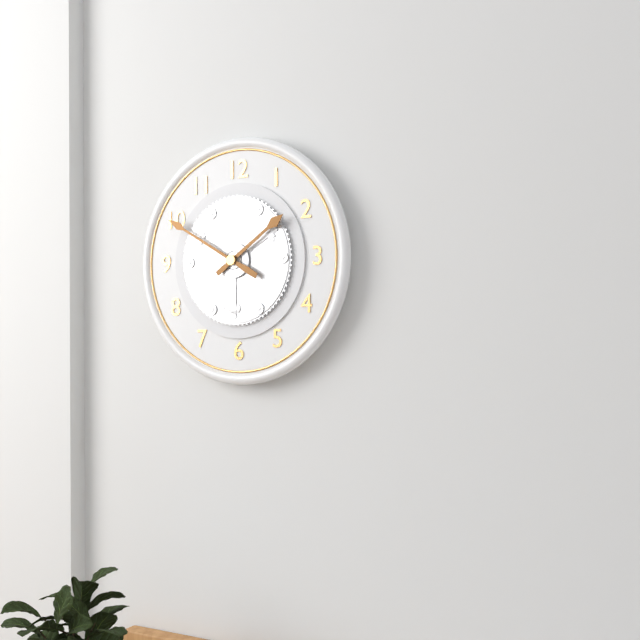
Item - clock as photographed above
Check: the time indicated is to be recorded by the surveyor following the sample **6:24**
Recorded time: **1:50**
